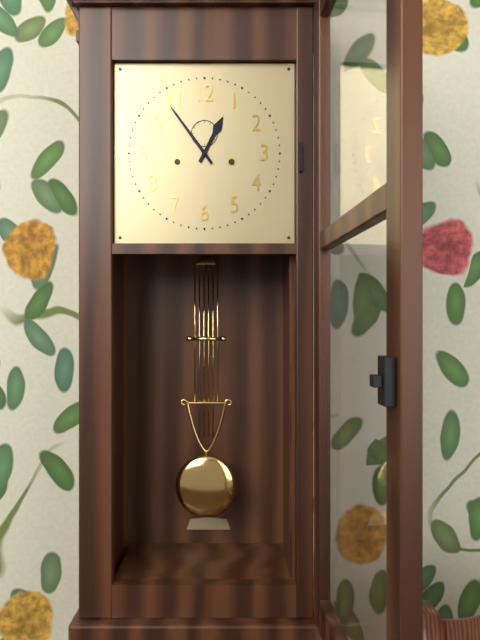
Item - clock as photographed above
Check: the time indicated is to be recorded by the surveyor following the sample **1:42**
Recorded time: **12:54**
